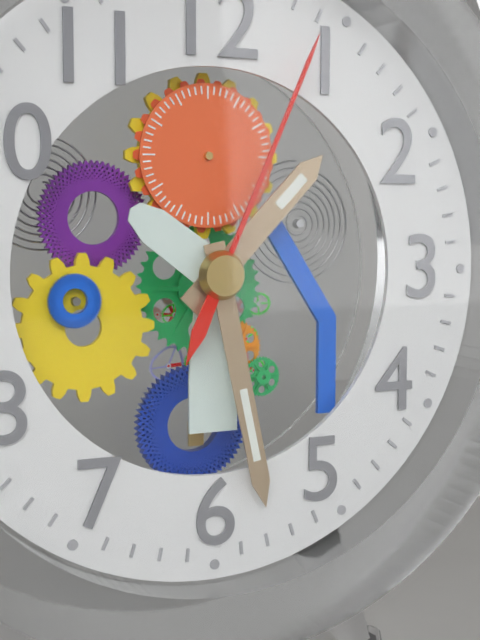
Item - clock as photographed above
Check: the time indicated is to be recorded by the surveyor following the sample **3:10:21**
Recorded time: **1:28:04**
